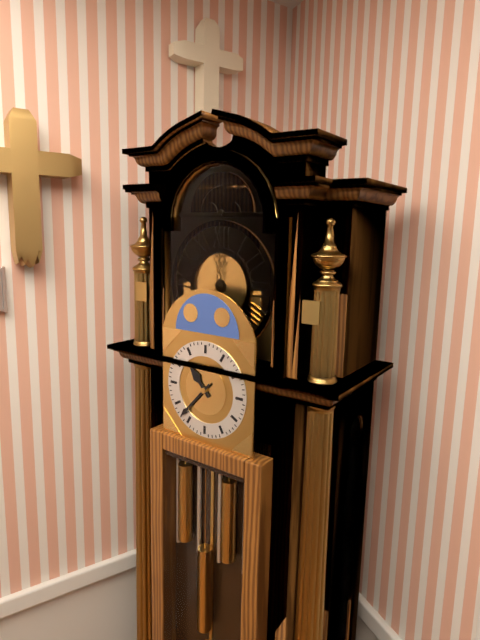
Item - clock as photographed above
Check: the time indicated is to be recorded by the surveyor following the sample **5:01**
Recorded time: **10:37**
